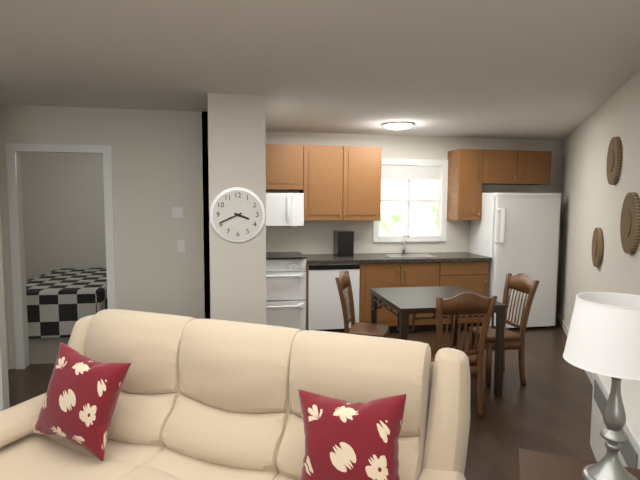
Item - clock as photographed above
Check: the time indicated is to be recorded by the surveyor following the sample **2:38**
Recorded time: **3:41**
